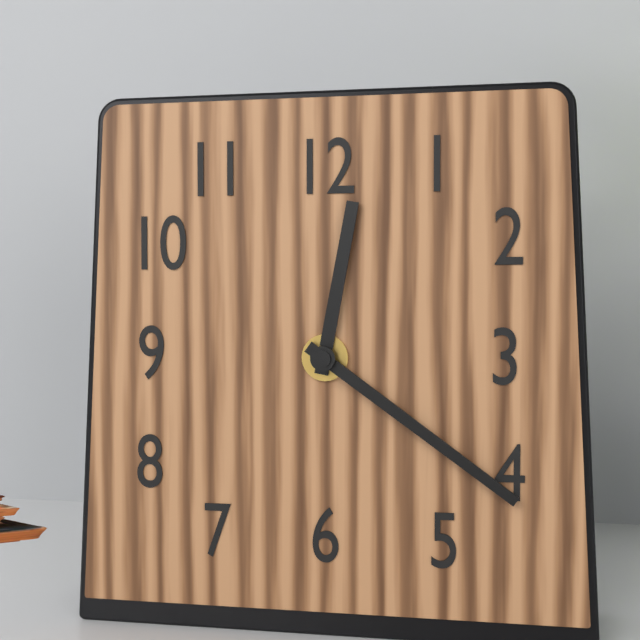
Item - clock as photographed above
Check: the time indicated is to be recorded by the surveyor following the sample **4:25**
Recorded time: **12:21**
